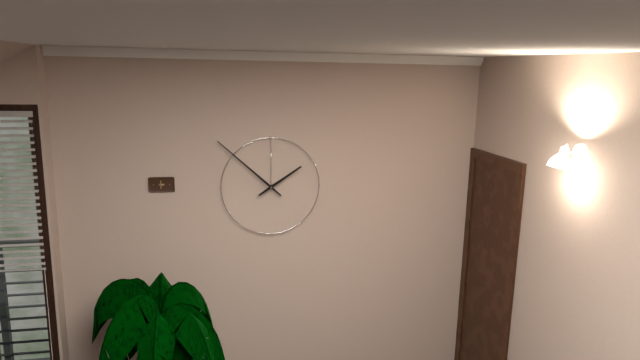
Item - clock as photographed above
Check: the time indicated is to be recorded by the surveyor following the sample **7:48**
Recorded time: **1:52**
